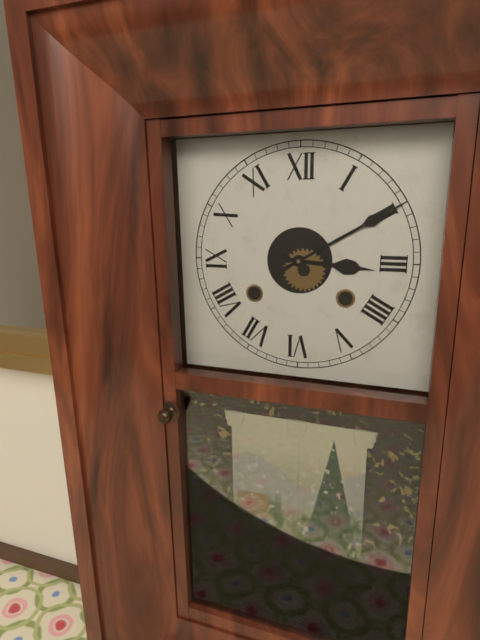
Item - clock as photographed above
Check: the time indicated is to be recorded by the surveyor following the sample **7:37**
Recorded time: **3:10**
